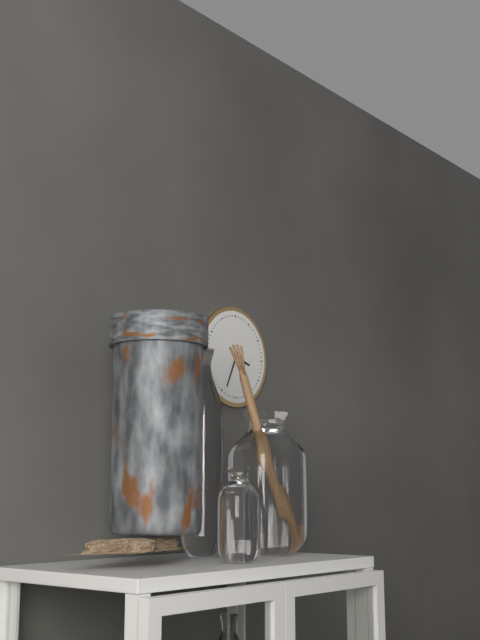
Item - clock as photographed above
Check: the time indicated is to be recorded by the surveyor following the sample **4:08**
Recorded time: **3:34**
